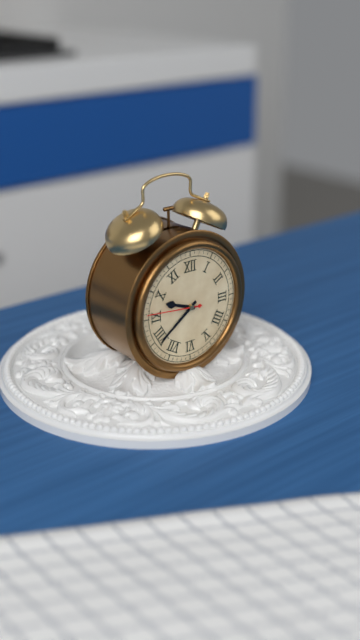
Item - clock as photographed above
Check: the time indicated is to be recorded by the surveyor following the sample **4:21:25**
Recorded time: **9:39:46**
